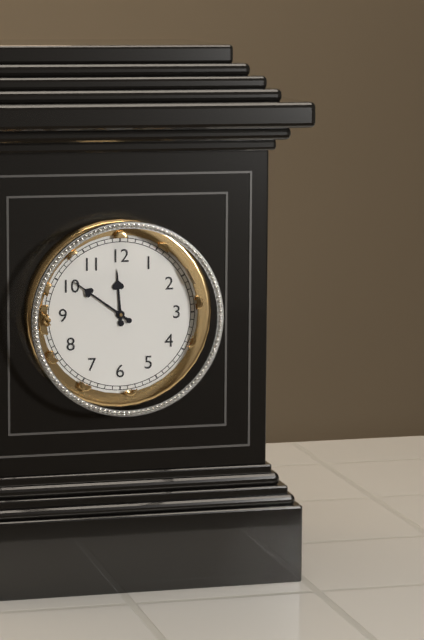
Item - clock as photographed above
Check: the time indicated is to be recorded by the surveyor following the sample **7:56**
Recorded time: **11:51**
